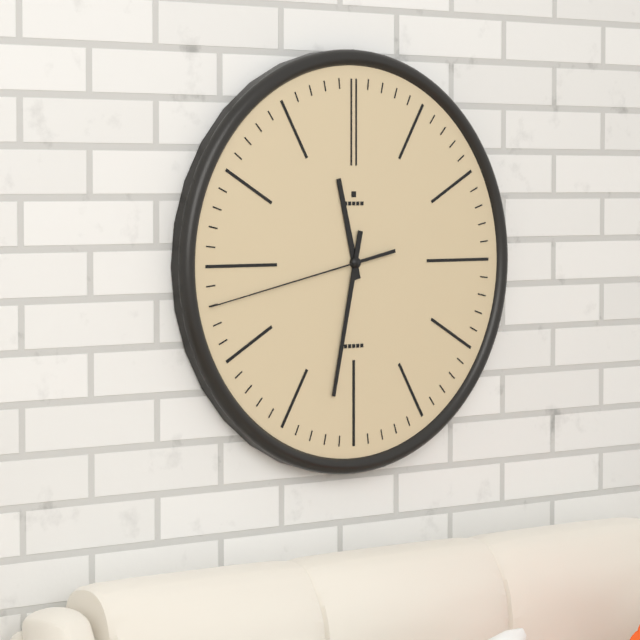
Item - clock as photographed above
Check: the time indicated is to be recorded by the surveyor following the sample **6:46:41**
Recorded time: **11:32:43**
